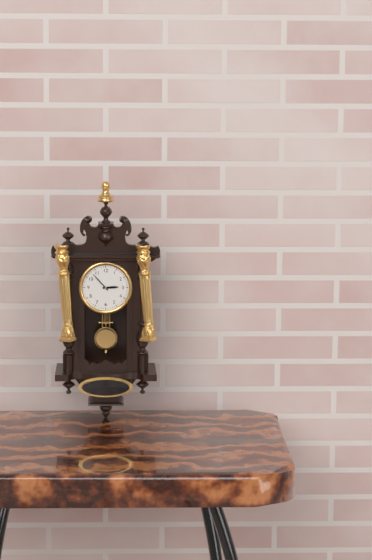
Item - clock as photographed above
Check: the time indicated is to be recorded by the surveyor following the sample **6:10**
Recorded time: **2:53**
